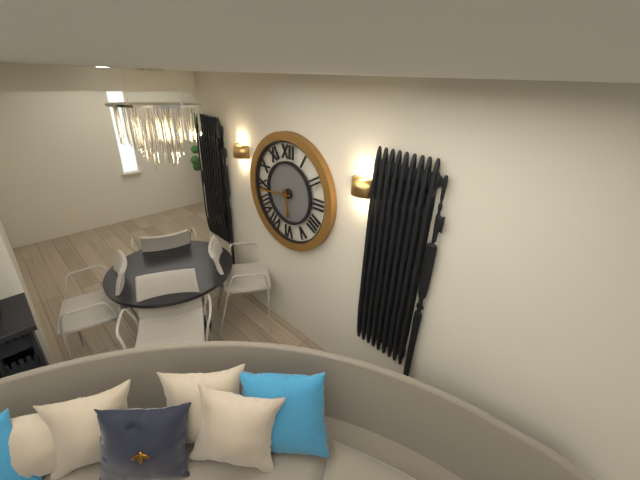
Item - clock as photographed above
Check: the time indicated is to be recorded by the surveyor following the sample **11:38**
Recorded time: **5:44**
